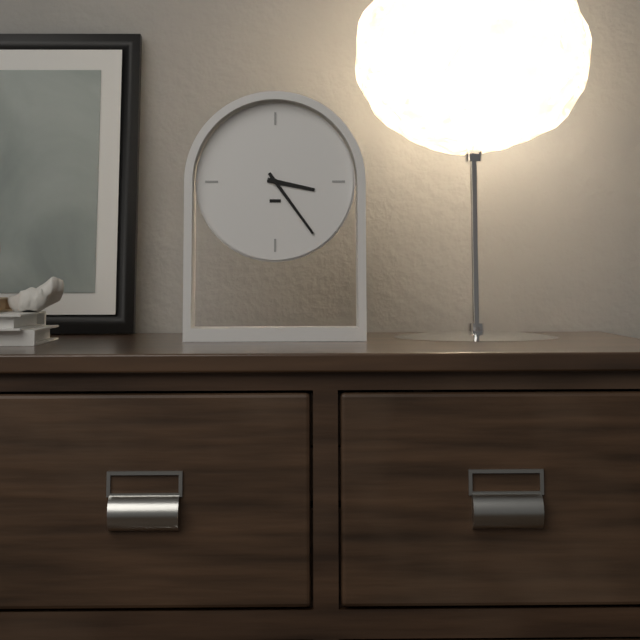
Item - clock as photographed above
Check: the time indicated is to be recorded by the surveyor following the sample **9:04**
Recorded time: **3:24**
